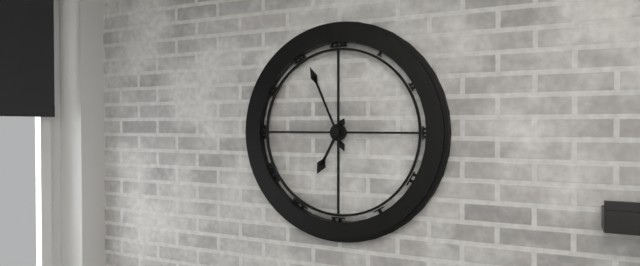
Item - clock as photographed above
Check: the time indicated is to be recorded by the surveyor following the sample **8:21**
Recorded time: **6:56**
